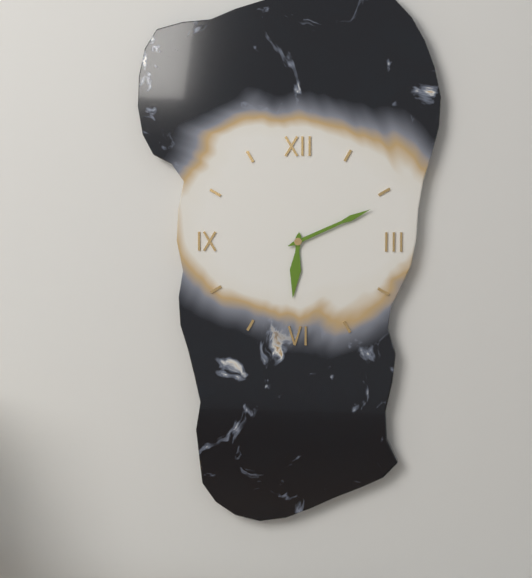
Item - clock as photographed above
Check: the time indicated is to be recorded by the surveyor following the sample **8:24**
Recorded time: **6:11**
